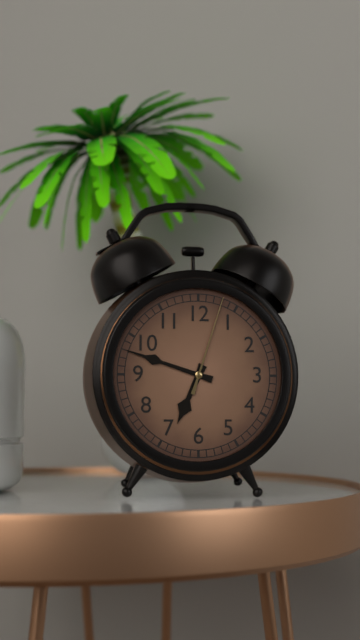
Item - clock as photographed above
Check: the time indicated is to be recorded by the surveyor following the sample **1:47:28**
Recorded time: **6:48:03**
